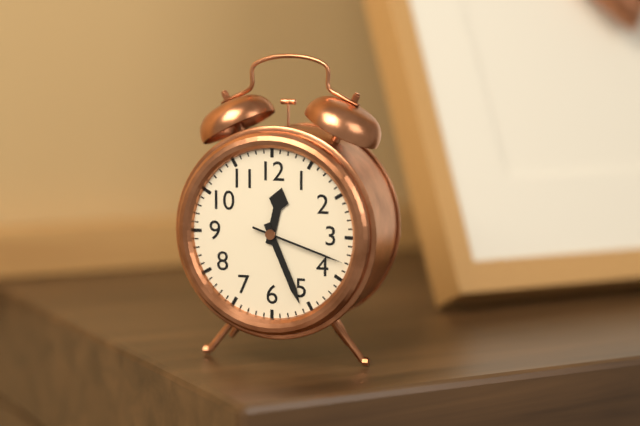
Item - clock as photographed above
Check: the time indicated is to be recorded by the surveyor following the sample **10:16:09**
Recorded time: **12:26:18**
